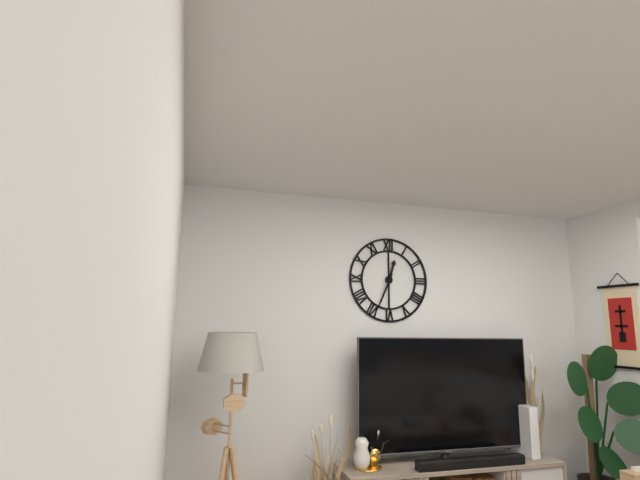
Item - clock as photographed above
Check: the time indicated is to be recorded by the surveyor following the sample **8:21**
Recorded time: **12:34**
